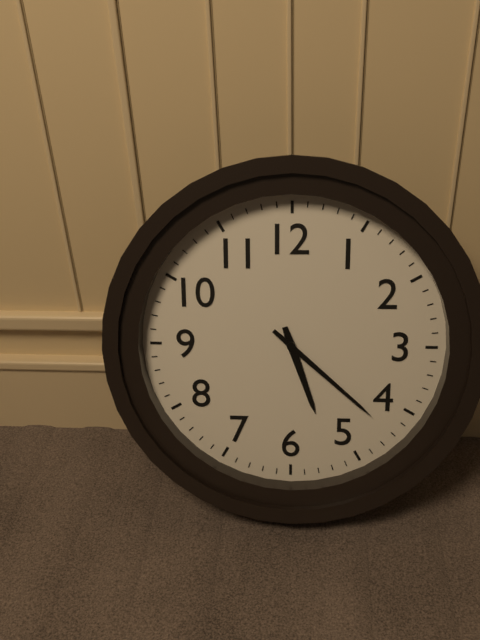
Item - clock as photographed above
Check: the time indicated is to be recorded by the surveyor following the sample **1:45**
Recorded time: **5:22**
